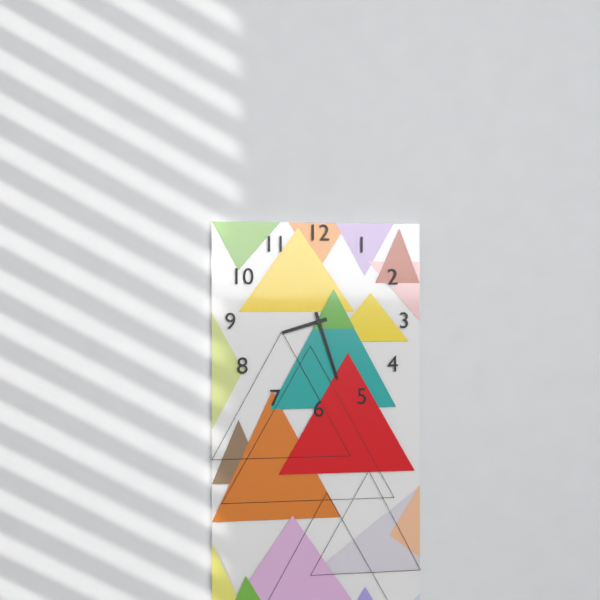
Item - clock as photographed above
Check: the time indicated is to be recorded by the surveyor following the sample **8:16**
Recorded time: **8:27**
